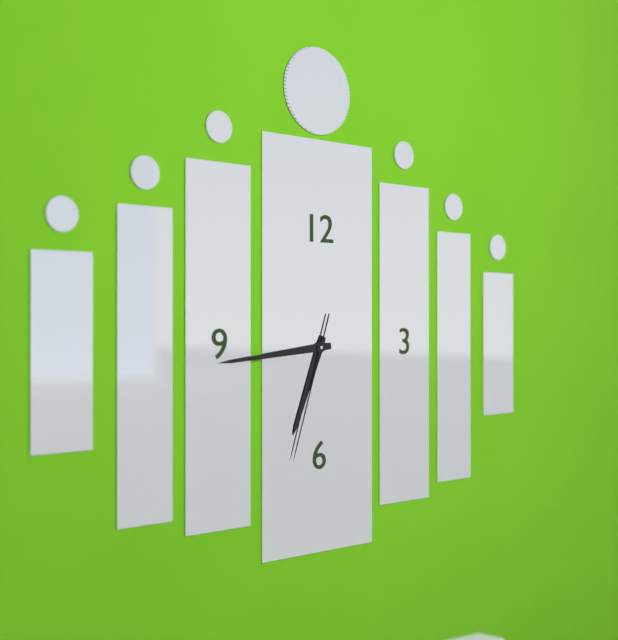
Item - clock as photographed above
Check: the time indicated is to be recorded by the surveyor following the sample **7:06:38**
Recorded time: **6:44:33**
